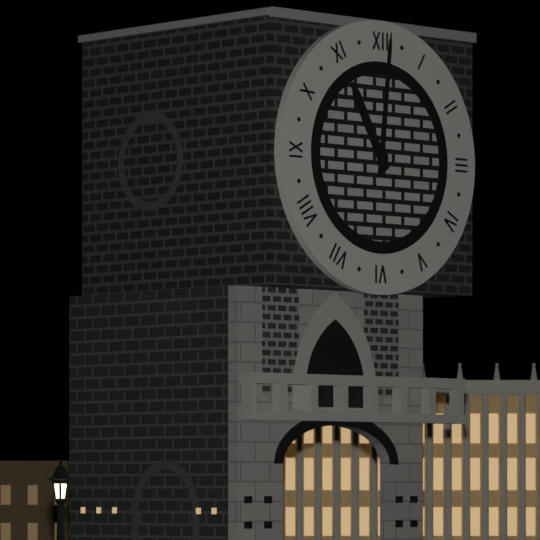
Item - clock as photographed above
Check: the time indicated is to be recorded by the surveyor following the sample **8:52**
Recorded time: **11:01**
